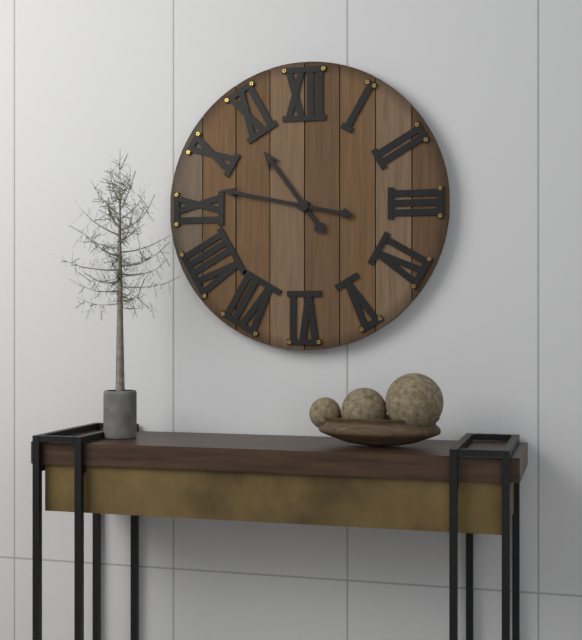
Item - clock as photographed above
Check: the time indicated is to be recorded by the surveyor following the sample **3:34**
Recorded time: **10:47**
